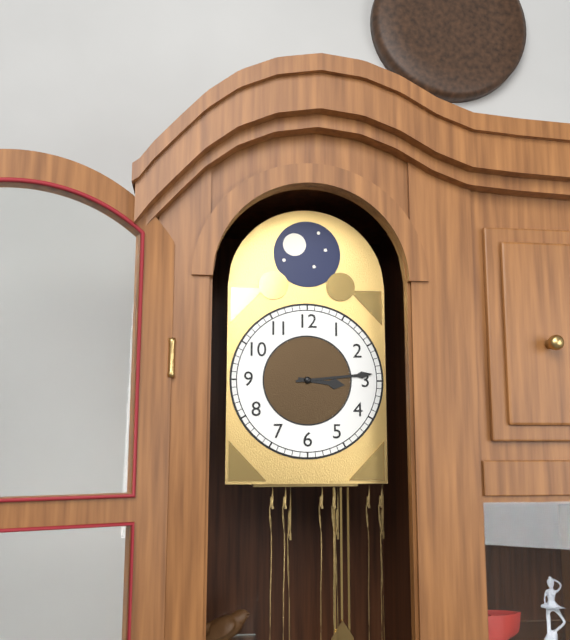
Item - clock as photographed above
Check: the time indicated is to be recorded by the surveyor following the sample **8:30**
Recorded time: **3:14**
